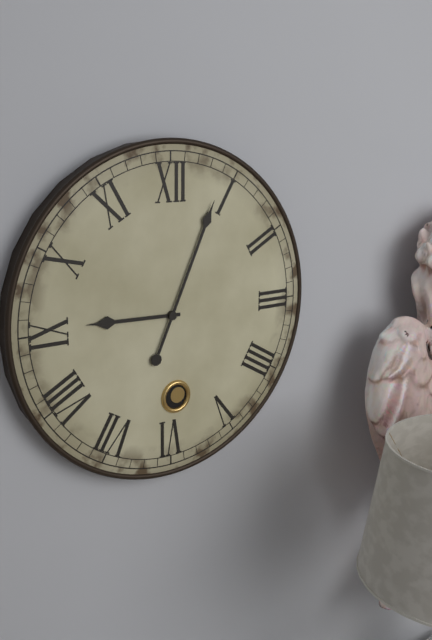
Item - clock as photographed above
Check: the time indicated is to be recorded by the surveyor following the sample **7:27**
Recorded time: **9:04**
